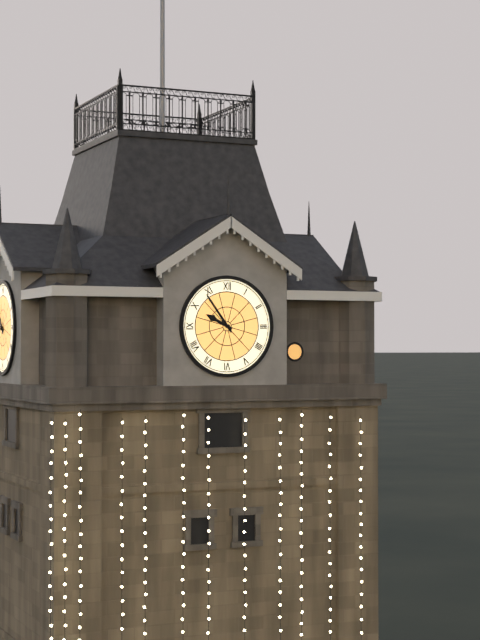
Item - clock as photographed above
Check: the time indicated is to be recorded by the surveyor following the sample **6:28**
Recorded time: **9:54**
